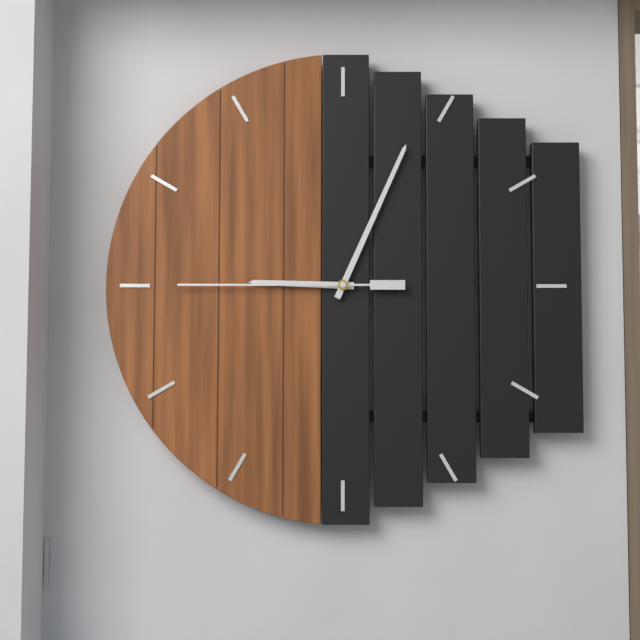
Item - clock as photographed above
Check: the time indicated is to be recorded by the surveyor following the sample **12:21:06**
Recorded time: **9:04:45**
